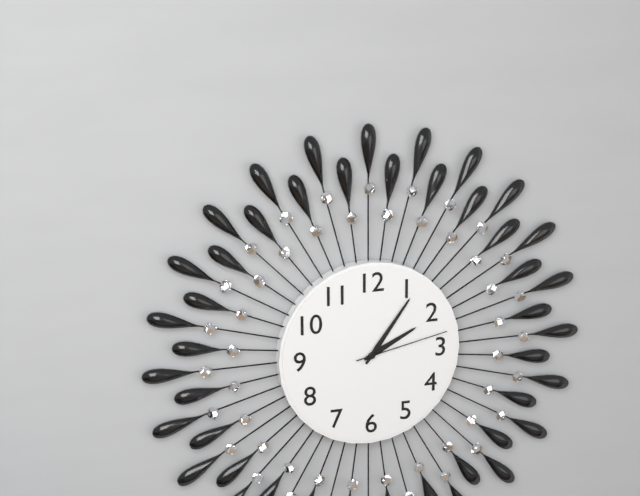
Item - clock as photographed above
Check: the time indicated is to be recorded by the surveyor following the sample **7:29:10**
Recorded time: **2:06:13**
